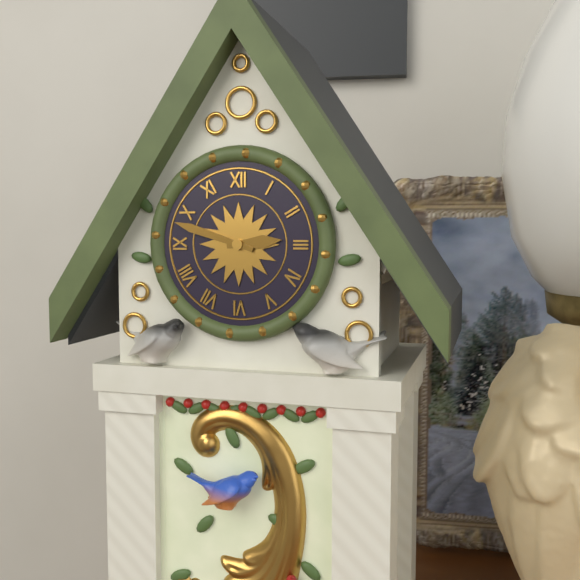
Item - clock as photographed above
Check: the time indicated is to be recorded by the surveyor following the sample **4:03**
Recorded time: **2:48**
